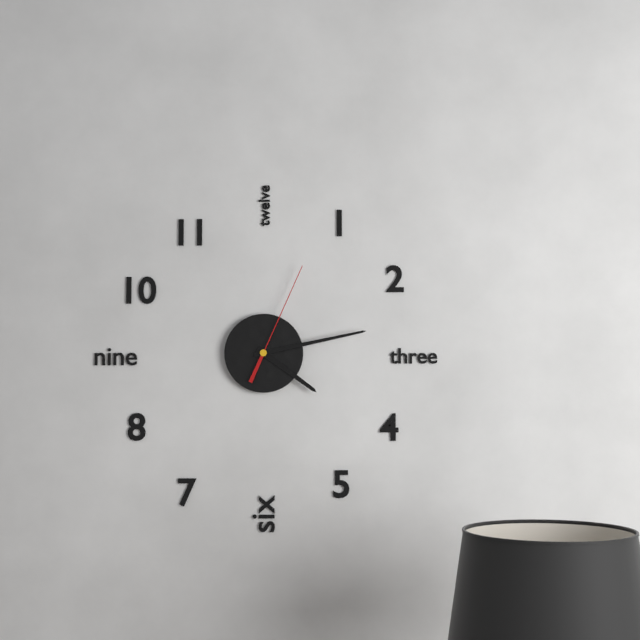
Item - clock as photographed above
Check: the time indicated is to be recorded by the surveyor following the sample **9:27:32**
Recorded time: **4:13:04**
